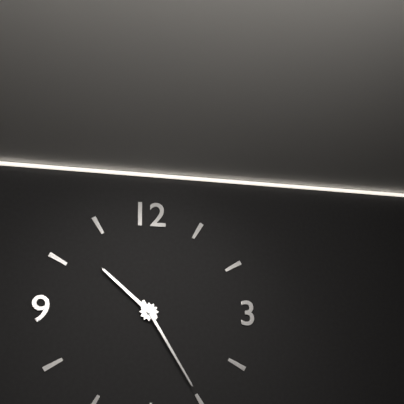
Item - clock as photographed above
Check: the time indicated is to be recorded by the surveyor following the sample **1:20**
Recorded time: **10:25**
